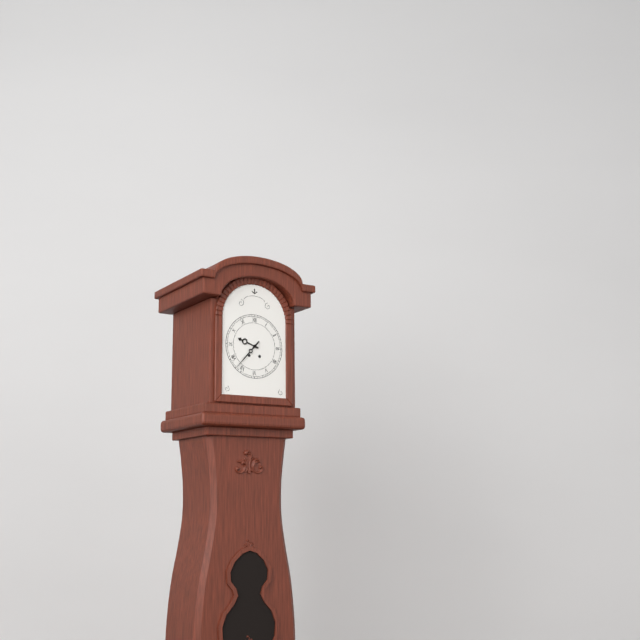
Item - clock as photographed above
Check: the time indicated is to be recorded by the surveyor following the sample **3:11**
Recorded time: **9:37**
